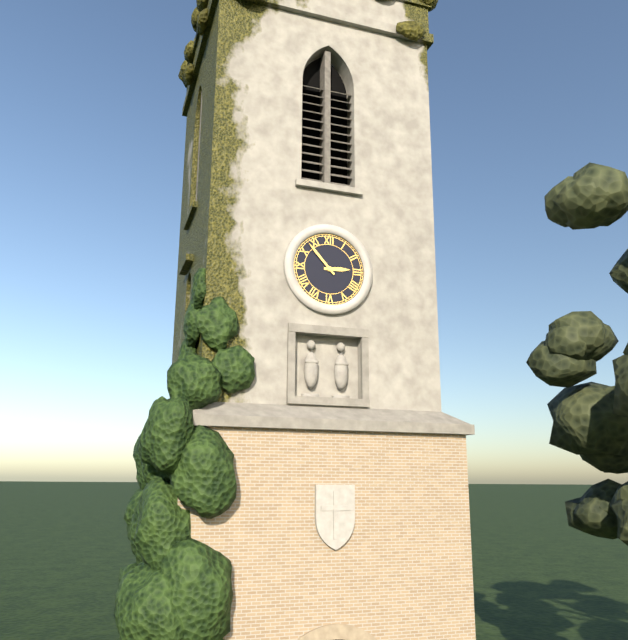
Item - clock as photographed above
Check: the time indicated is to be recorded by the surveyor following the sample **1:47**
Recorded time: **2:53**
